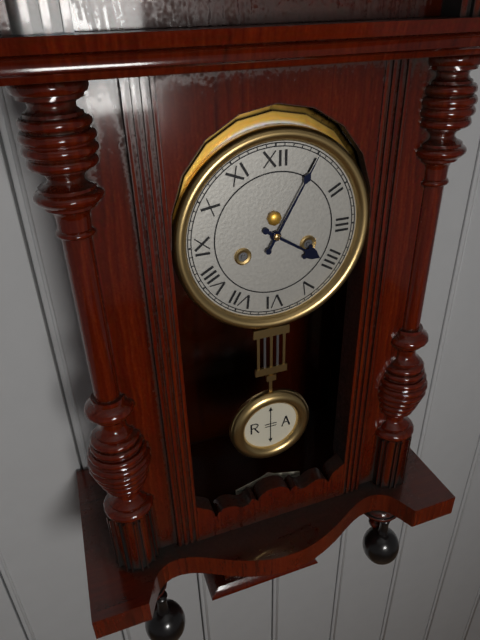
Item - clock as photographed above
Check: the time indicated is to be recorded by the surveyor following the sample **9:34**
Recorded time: **4:05**
